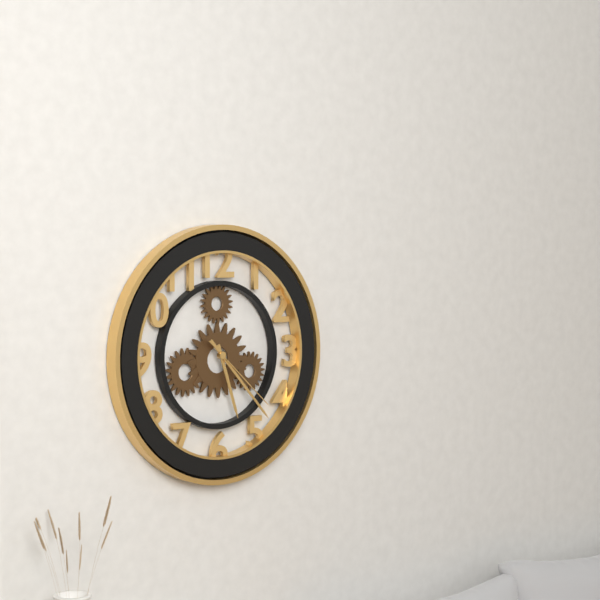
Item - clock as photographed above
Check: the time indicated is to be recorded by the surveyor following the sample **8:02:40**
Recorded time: **5:23:22**
